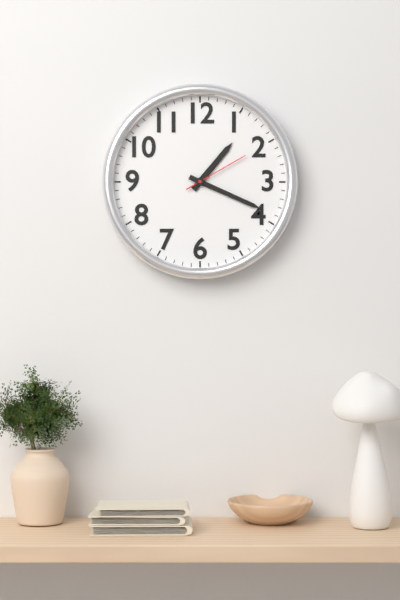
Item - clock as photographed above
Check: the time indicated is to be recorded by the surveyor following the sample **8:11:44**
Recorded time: **1:19:10**
